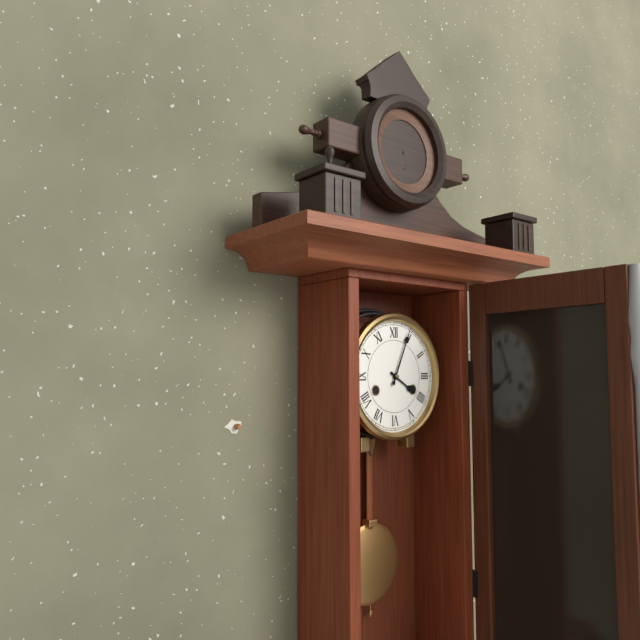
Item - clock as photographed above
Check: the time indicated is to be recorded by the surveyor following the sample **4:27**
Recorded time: **4:04**
